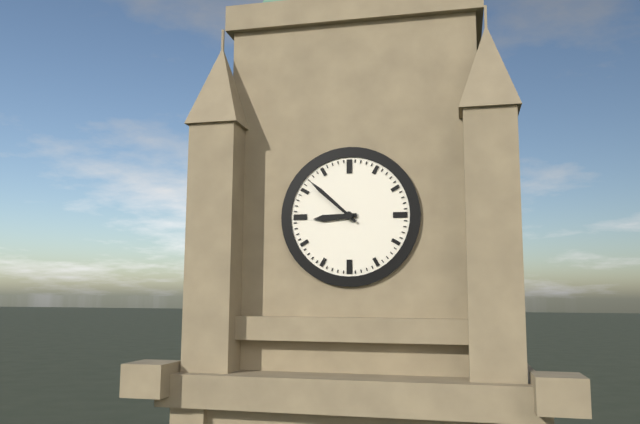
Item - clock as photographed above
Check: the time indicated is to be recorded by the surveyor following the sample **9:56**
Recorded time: **8:52**
